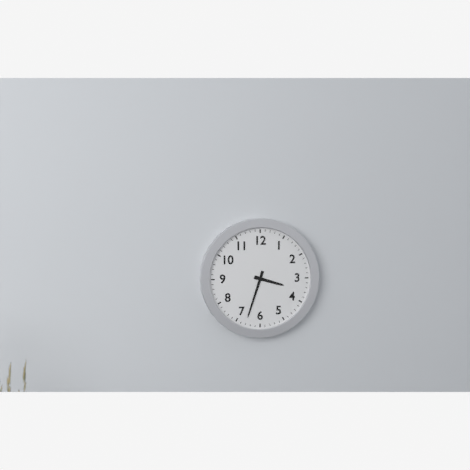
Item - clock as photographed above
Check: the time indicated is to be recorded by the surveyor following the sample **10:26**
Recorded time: **3:33**
